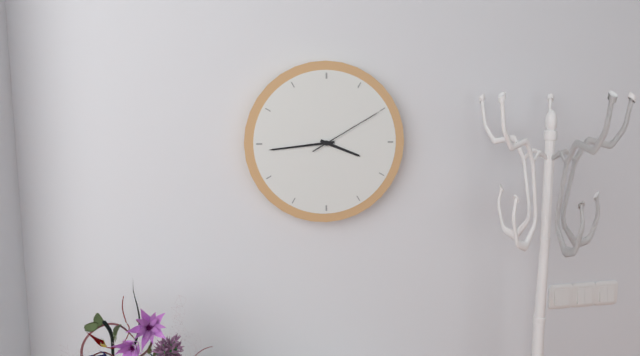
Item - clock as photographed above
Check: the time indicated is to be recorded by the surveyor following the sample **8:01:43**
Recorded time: **3:44:10**
